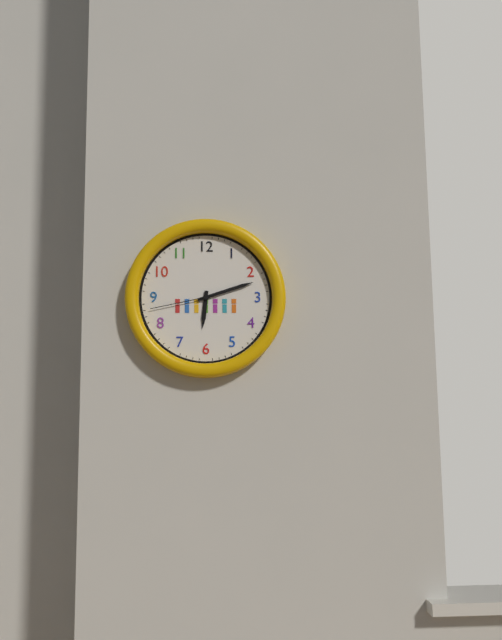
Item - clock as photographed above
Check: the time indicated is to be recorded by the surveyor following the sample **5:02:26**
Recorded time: **6:12:43**
